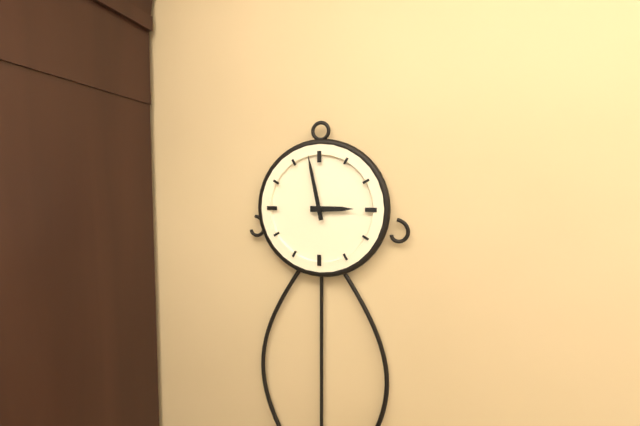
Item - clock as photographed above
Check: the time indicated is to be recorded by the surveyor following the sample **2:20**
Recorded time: **2:58**
